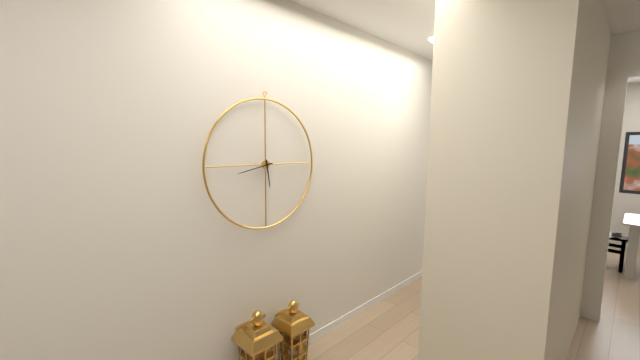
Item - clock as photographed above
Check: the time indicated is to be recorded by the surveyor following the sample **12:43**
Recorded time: **5:43**
